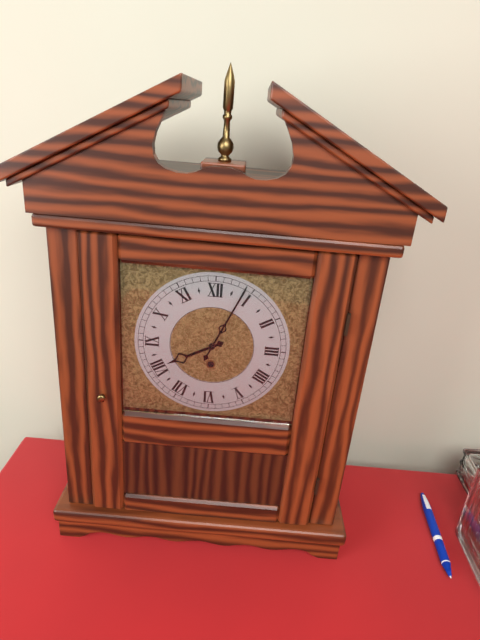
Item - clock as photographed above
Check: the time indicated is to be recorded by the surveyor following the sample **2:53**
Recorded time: **8:04**
